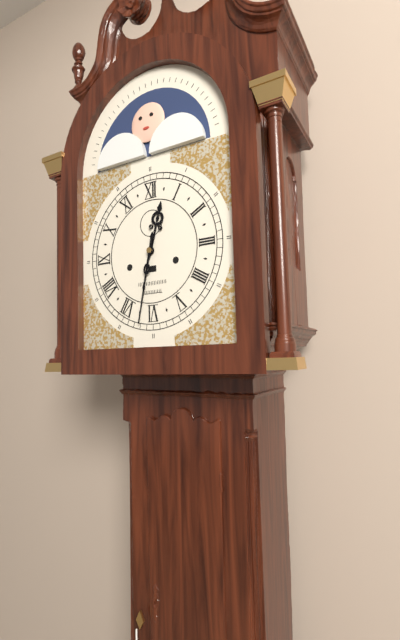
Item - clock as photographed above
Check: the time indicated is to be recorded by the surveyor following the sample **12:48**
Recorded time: **12:32**
